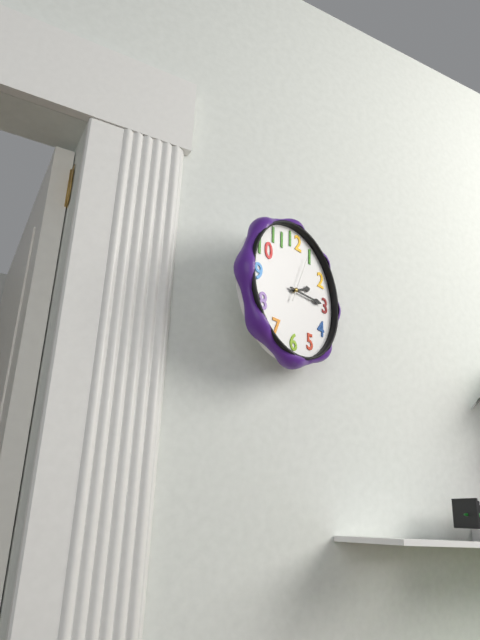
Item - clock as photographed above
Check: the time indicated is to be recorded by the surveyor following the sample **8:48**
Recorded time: **2:15**
